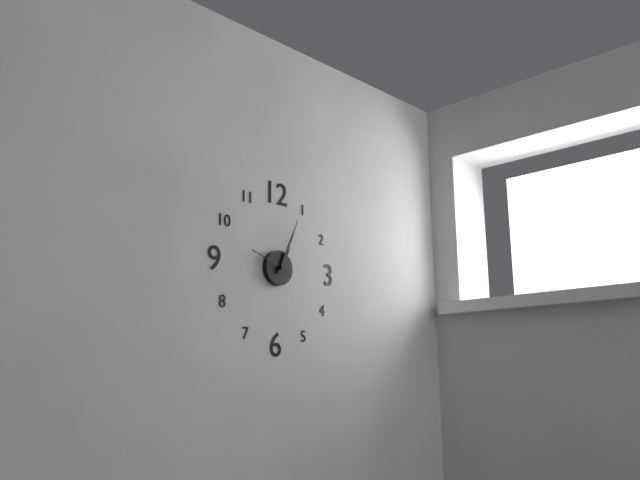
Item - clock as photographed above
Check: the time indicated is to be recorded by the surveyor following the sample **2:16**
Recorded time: **1:04**
